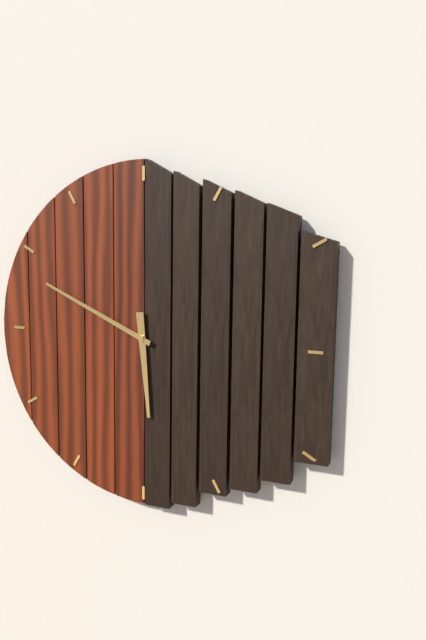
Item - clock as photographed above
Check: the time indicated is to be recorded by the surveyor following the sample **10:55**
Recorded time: **5:49**
